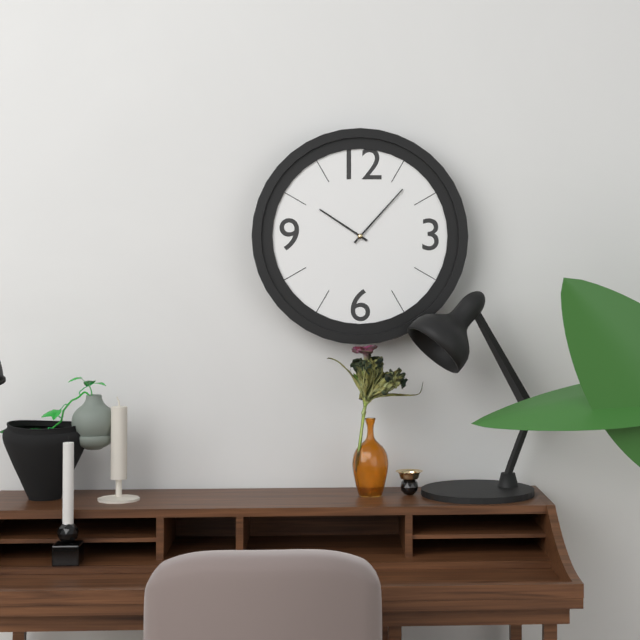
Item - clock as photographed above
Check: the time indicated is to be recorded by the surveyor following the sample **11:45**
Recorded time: **10:07**
